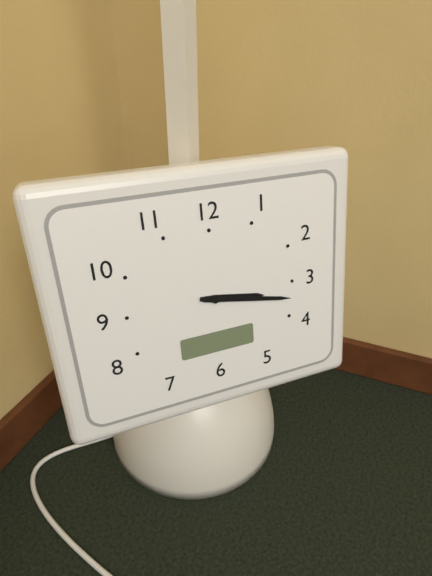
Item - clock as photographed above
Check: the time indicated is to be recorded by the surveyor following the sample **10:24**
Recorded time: **3:17**
